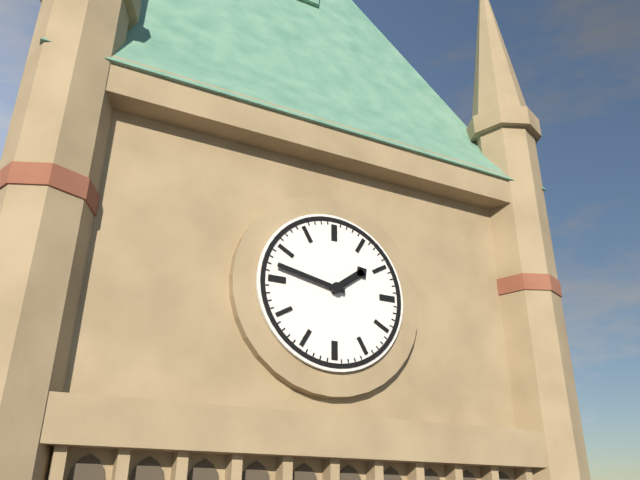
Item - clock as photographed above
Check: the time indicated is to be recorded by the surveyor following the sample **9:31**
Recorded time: **1:47**
